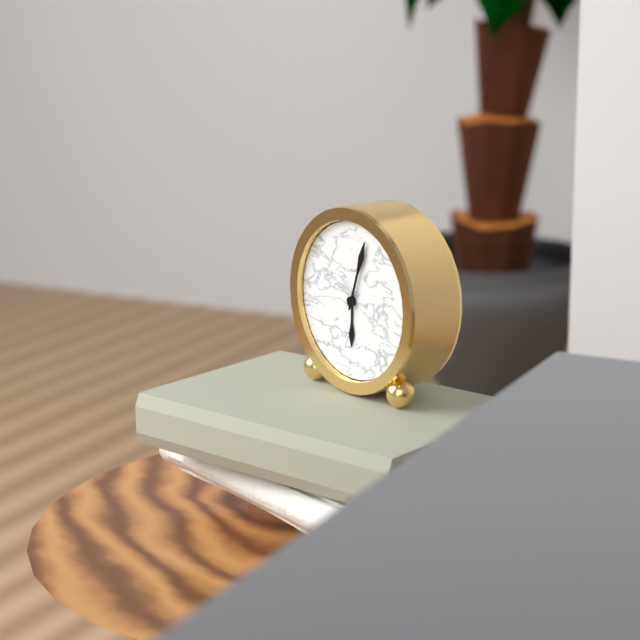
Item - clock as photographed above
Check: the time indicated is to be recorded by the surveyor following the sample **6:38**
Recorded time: **6:03**
